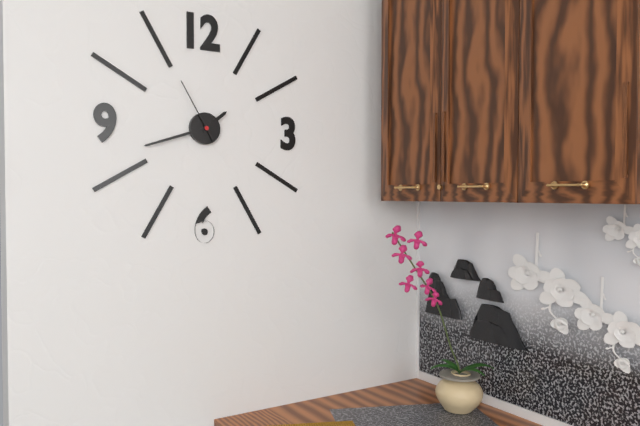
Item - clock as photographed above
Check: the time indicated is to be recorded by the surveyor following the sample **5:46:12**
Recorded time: **1:42:55**
